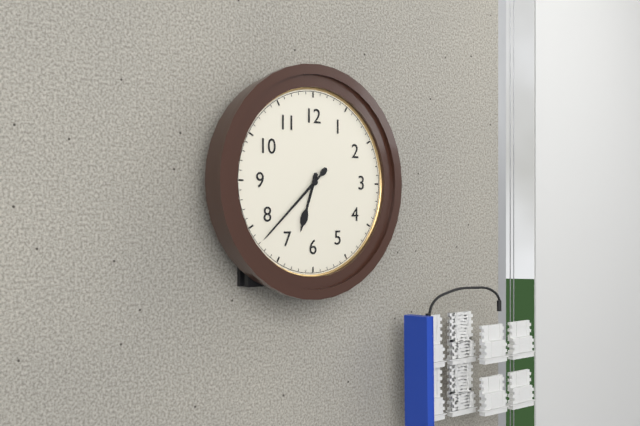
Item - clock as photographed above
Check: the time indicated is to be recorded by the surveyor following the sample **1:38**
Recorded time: **6:38**
